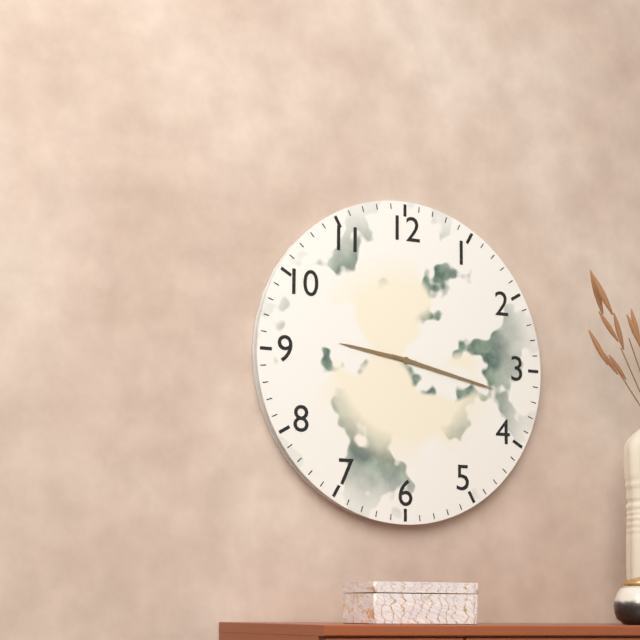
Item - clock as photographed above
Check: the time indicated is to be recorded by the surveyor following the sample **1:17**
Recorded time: **9:17**
